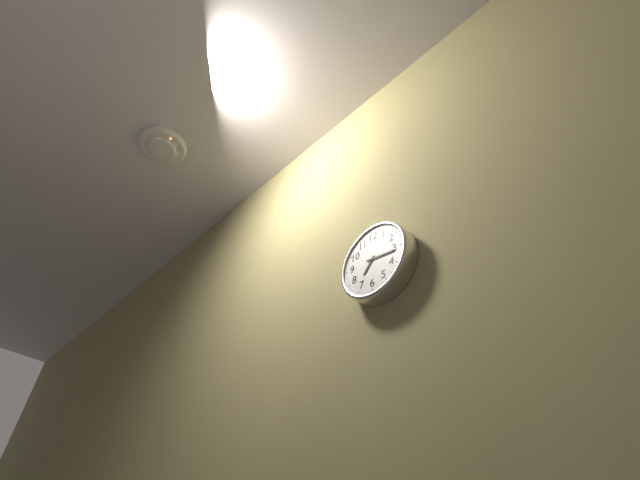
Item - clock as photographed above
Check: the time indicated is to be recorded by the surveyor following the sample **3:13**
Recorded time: **7:16**
